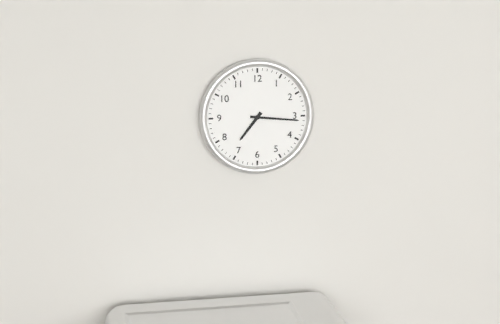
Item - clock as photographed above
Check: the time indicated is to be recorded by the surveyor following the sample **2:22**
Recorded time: **7:16**
